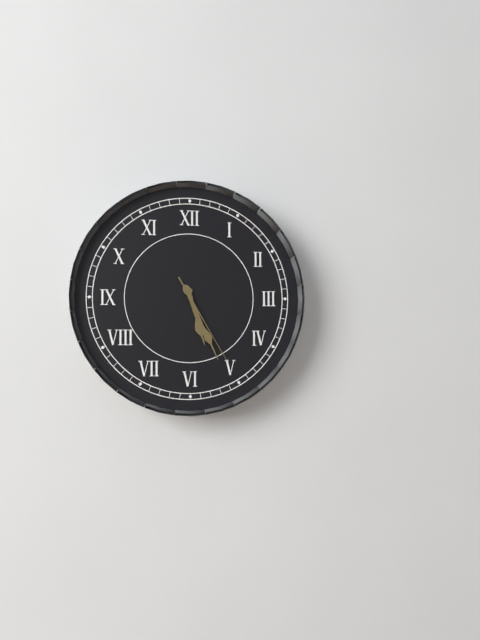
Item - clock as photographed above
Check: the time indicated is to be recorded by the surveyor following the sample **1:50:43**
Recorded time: **5:26:25**
